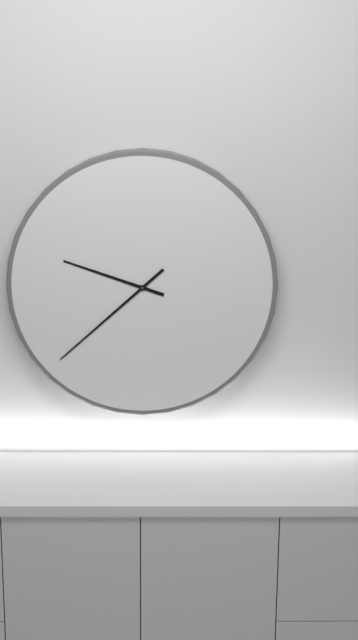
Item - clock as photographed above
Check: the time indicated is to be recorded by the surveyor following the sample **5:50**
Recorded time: **9:38**
